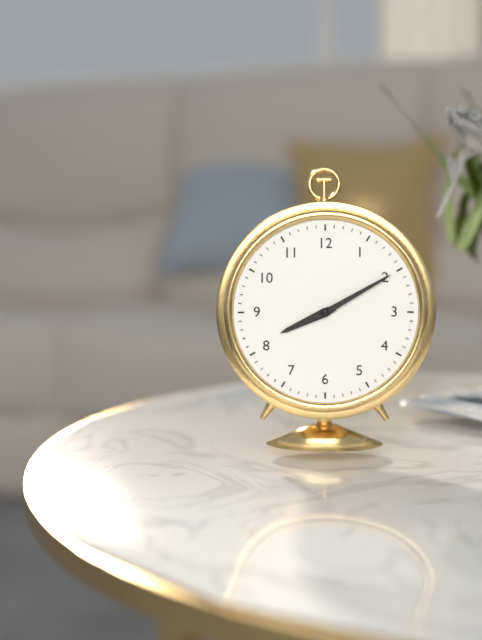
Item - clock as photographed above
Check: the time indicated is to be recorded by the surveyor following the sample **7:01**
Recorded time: **8:10**
